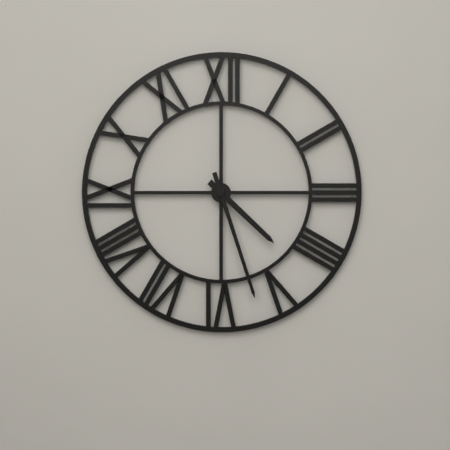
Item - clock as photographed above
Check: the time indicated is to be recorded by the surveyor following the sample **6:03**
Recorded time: **4:27**
